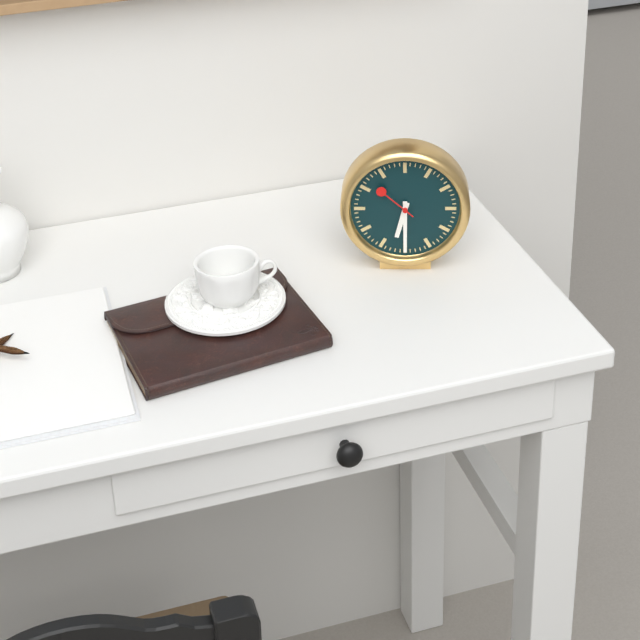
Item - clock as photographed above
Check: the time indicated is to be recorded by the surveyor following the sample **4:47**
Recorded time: **6:30**
